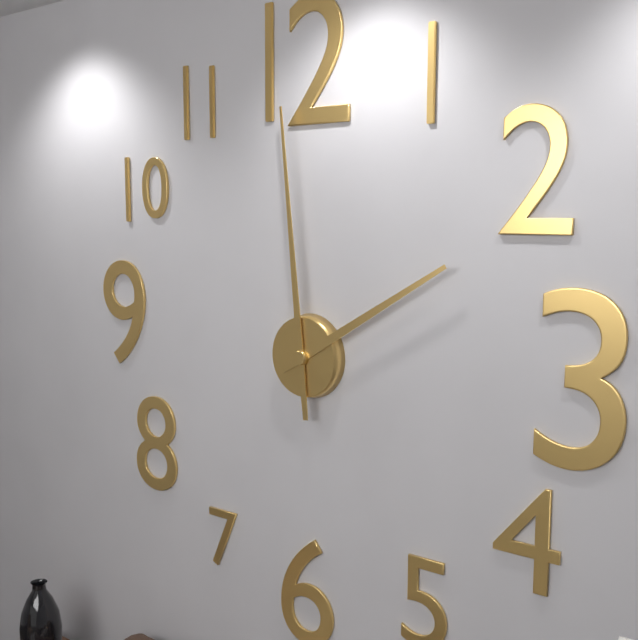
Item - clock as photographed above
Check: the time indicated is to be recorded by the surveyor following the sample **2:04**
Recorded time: **1:59**
